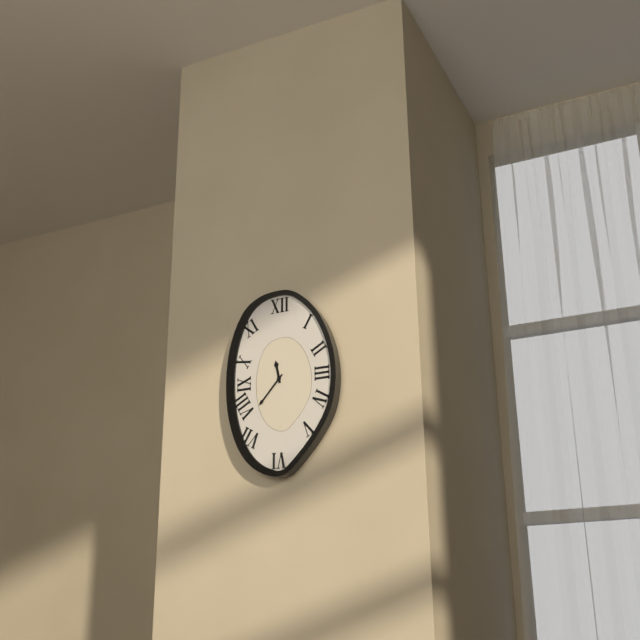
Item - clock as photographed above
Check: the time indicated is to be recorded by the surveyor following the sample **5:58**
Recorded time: **11:37**
